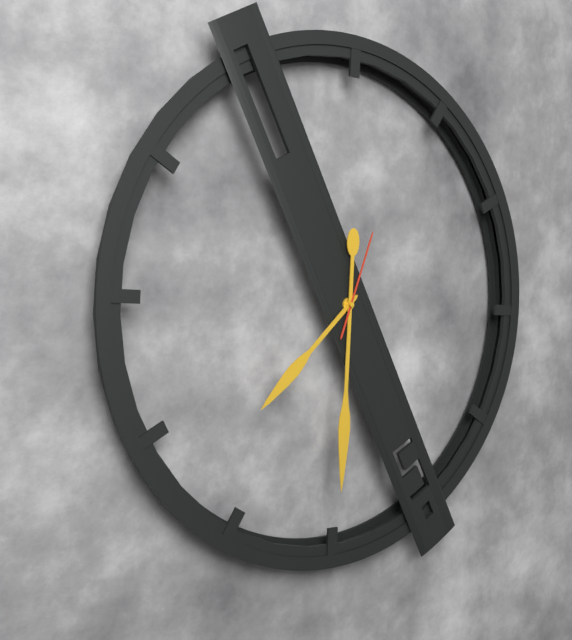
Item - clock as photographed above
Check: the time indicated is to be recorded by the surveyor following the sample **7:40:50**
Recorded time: **7:30:03**
